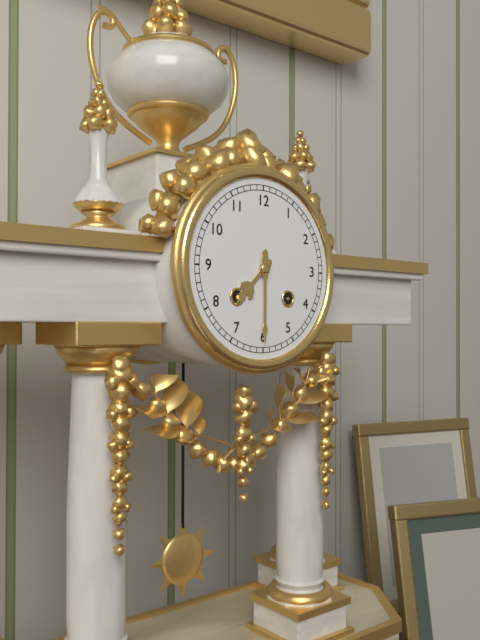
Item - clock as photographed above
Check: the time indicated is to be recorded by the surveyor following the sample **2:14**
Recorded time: **7:30**
